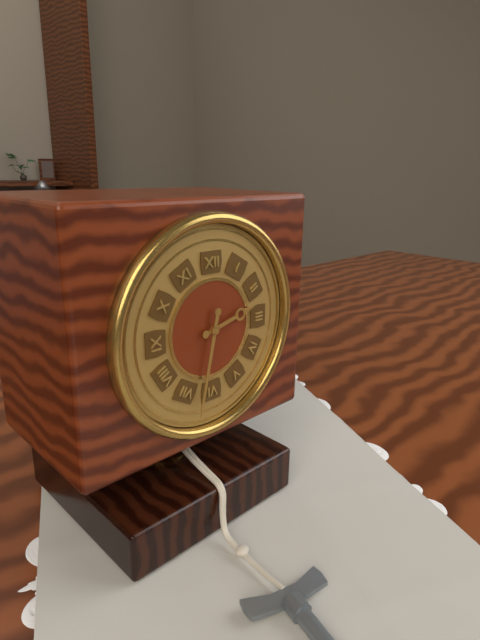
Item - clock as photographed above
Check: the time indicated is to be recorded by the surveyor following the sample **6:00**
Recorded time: **2:32**
